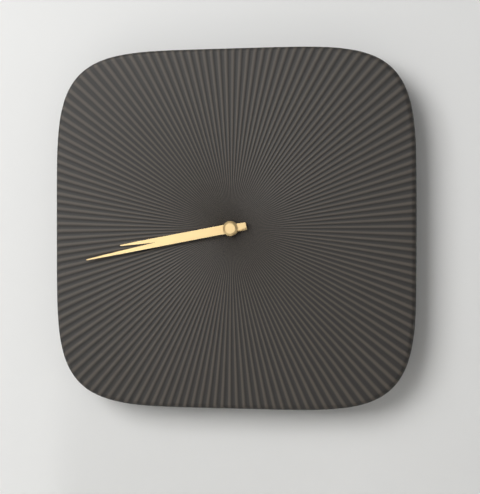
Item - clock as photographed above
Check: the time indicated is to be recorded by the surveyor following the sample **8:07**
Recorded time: **8:43**
